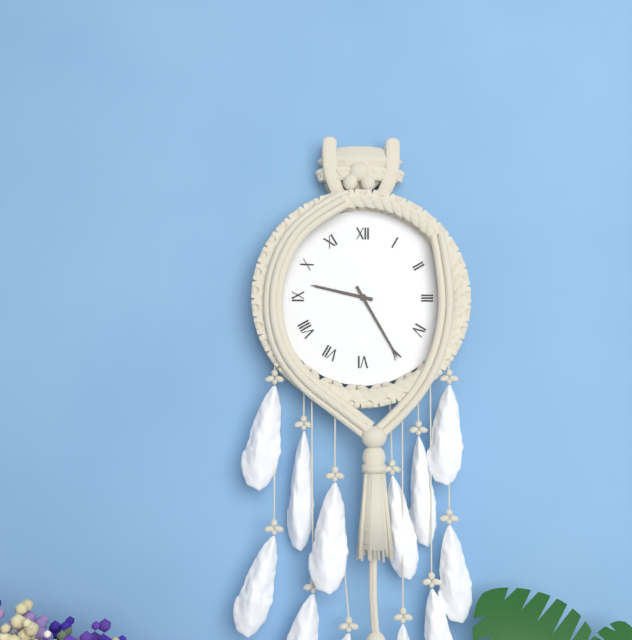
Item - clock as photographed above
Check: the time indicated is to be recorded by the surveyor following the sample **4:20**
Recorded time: **9:25**
